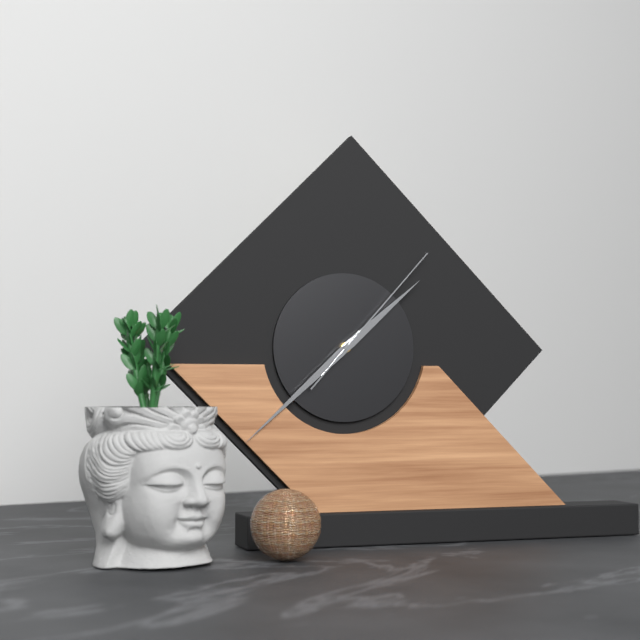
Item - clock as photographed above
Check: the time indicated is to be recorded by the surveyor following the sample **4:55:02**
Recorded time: **1:38:07**
